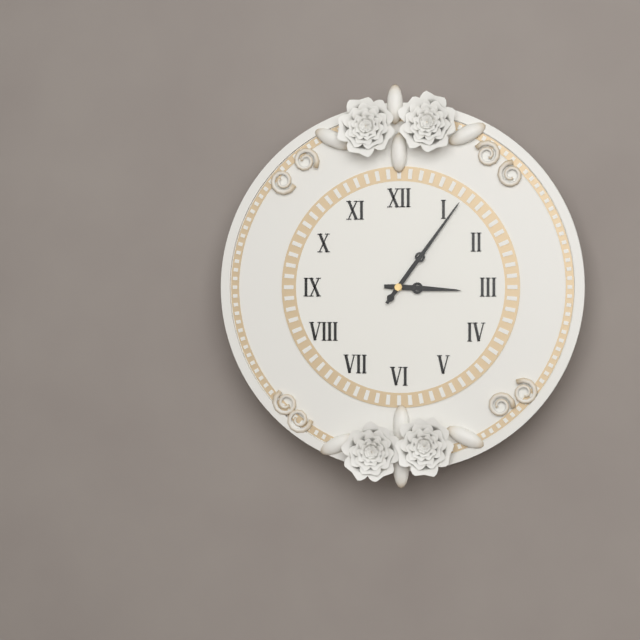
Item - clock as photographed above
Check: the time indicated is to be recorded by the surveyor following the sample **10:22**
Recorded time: **3:06**
